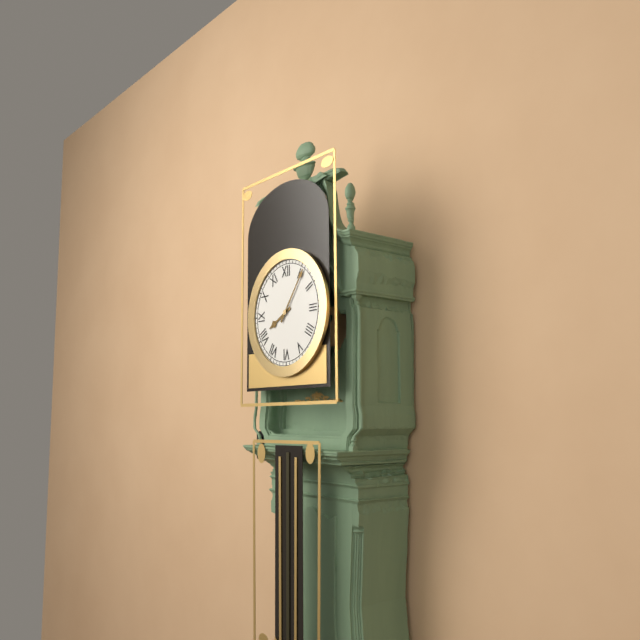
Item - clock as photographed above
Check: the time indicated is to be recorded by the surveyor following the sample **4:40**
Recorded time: **8:06**
